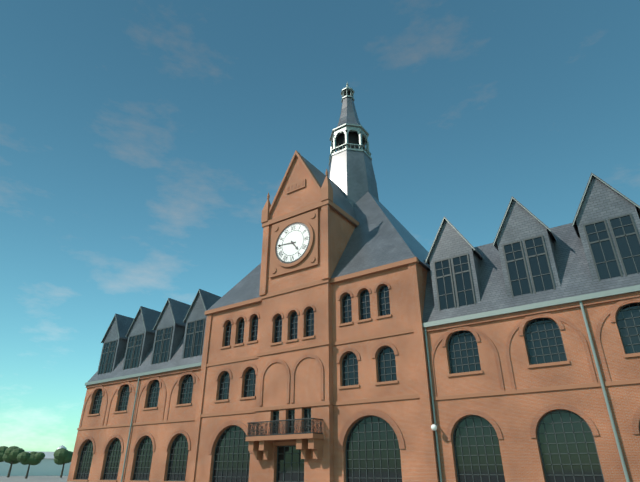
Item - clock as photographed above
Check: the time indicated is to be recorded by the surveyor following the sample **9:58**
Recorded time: **4:46**
